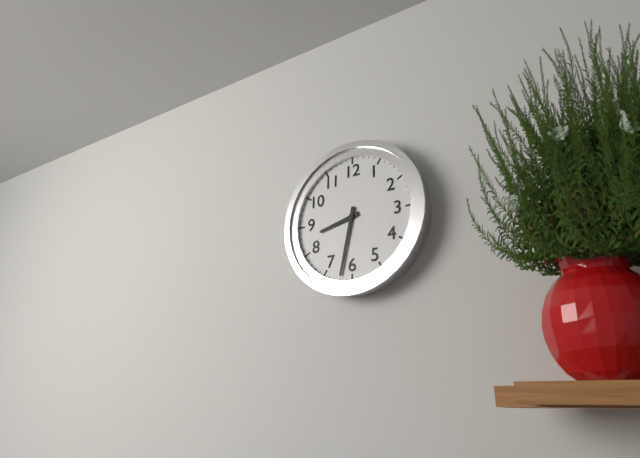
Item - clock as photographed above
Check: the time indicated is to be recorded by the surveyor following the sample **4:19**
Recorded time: **8:32**
